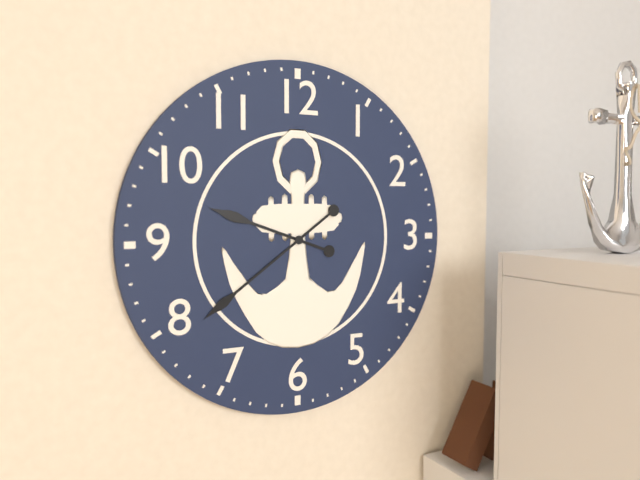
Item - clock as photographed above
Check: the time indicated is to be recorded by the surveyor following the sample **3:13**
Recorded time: **9:39**
